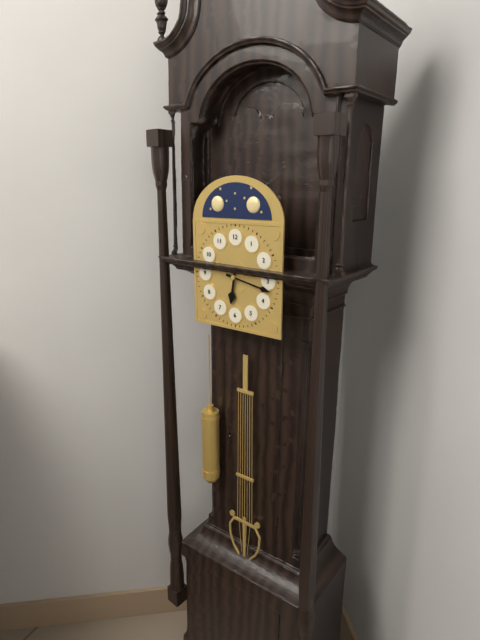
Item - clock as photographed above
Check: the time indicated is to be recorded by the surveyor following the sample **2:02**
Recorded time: **6:17**
